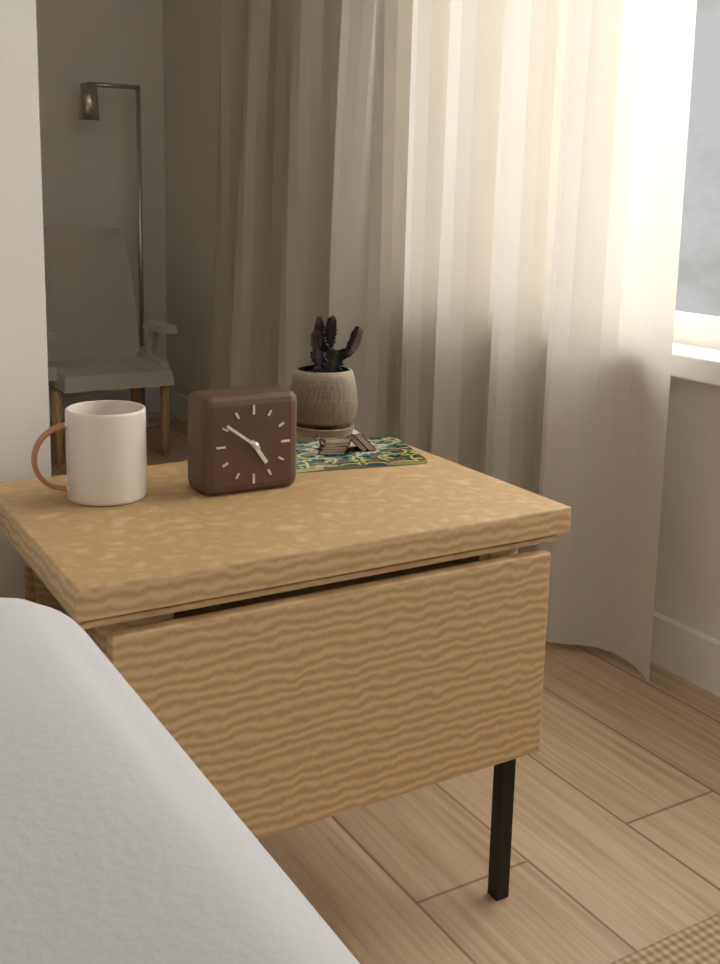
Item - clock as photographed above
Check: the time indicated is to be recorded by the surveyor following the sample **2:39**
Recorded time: **4:51**
